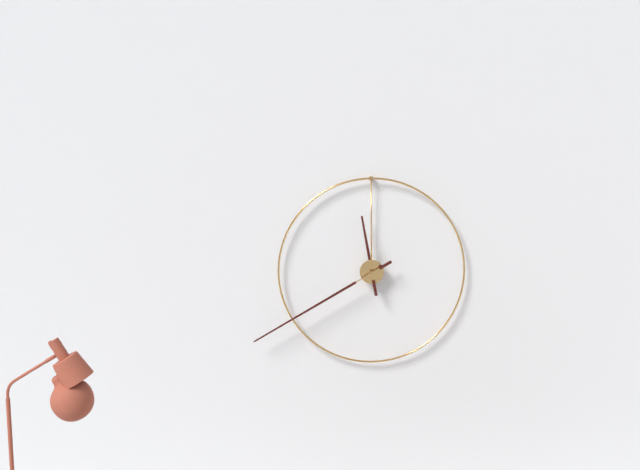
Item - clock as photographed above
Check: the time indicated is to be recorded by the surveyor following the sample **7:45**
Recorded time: **11:40**
